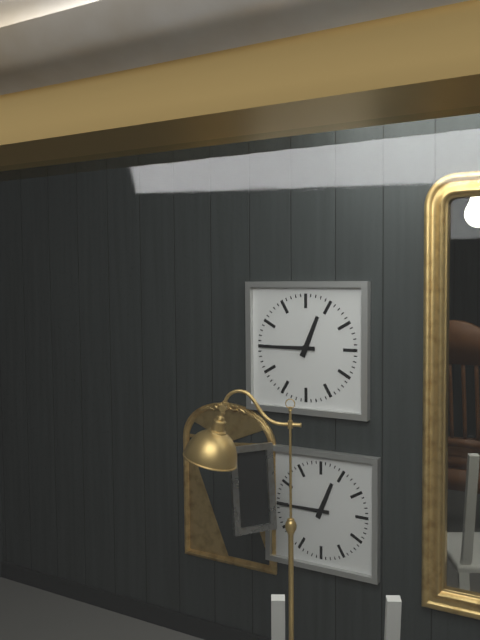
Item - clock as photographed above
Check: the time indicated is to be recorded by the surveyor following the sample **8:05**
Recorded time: **12:45**
